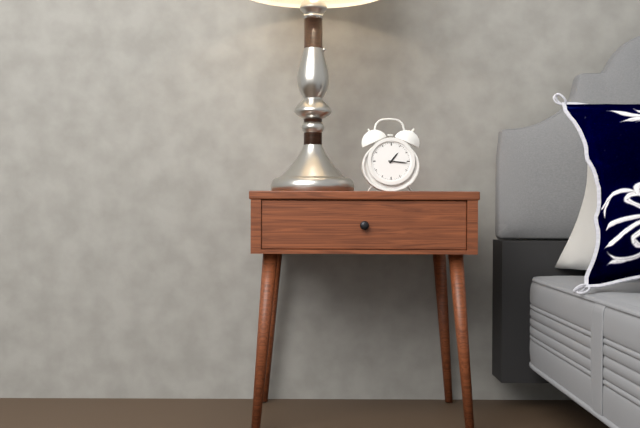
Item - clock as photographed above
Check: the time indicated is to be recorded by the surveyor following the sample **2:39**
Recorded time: **1:16**
